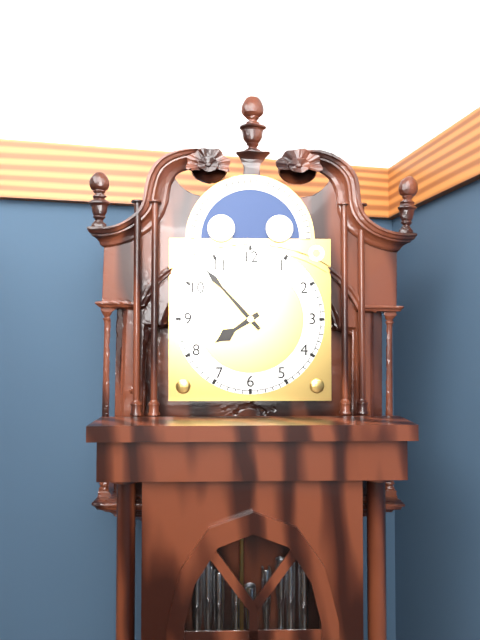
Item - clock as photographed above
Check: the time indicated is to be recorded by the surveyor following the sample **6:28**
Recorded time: **7:53**
